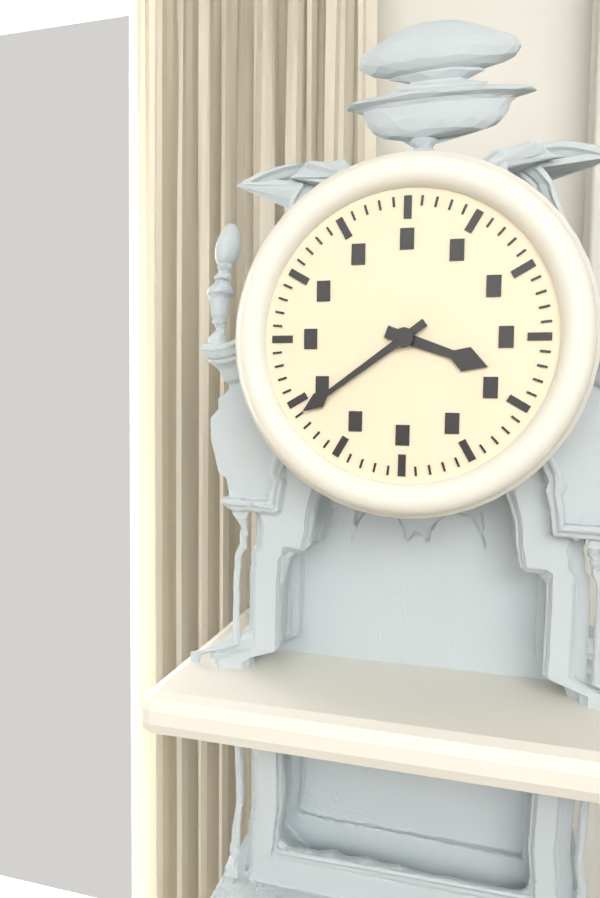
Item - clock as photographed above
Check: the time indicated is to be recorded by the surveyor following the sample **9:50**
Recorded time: **3:39**
